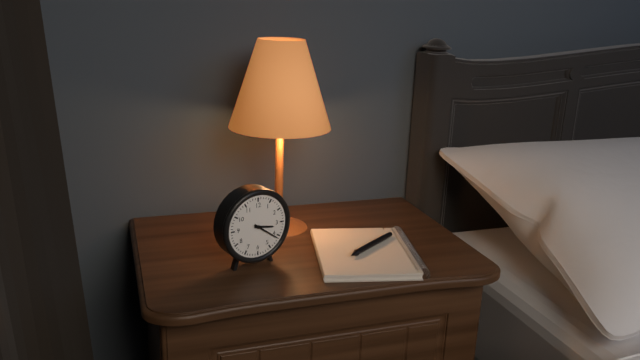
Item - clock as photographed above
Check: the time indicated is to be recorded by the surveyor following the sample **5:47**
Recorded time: **3:21**
